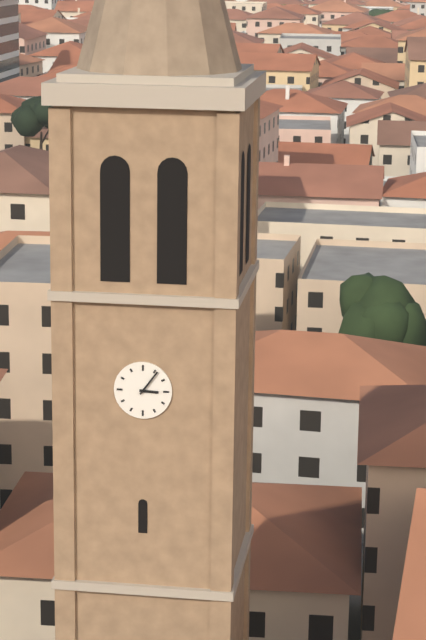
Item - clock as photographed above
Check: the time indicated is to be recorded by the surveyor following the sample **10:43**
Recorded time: **3:06**
